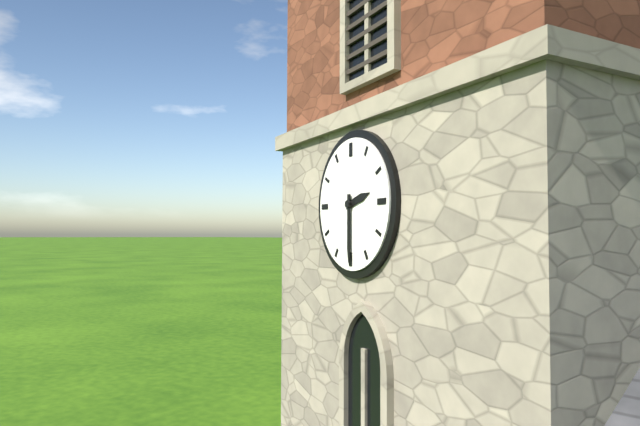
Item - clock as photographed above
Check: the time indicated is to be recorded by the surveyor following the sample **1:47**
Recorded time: **2:30**
